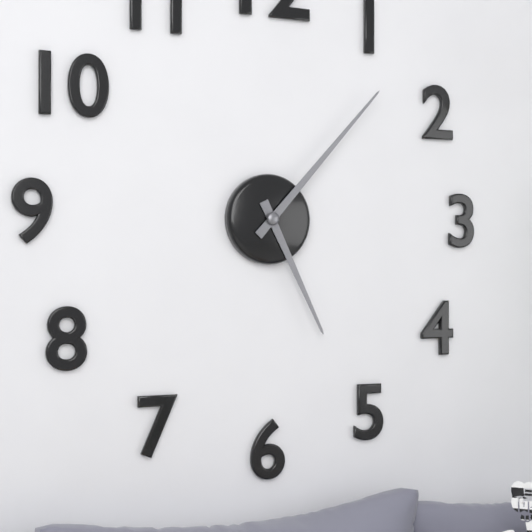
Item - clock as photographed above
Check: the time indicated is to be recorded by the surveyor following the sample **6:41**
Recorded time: **5:07**
